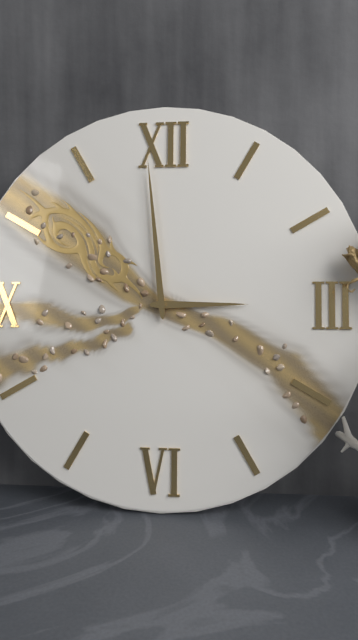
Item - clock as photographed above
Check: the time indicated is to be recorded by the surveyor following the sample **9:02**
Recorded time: **2:59**
